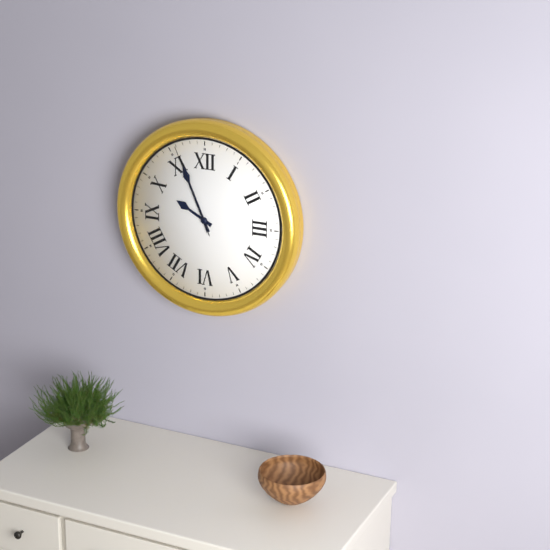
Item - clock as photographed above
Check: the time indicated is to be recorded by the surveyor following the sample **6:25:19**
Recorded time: **9:56:56**
